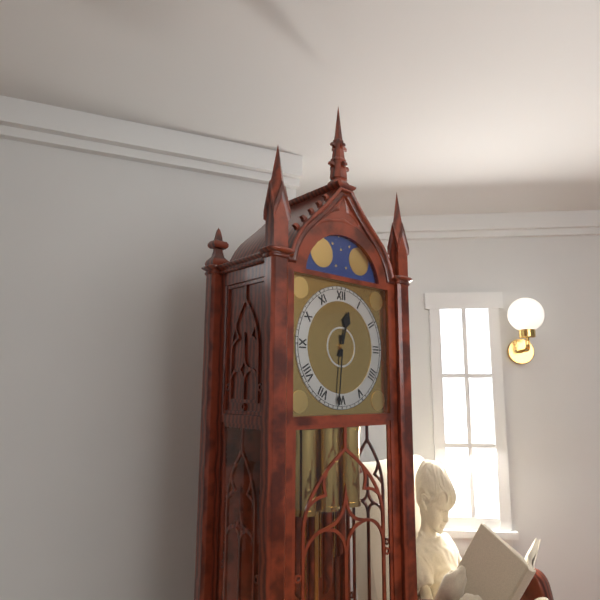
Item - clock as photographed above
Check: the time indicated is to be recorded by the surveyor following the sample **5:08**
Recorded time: **12:31**
